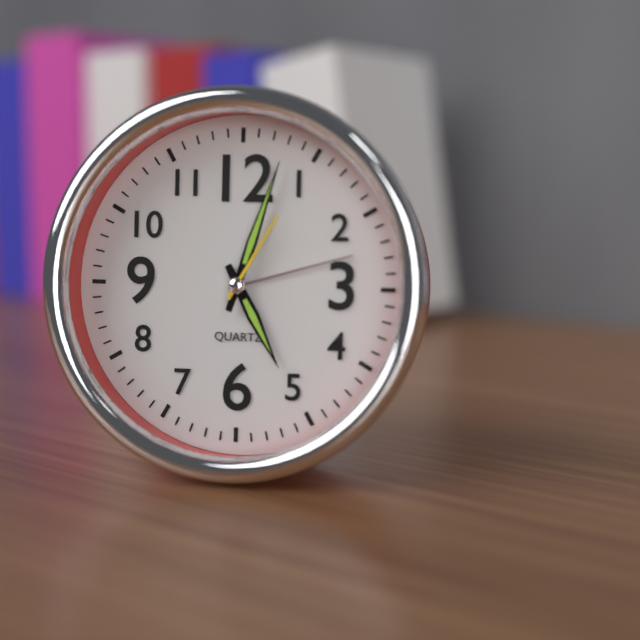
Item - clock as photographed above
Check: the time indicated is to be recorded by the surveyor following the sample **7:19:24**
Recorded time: **5:03:05**
